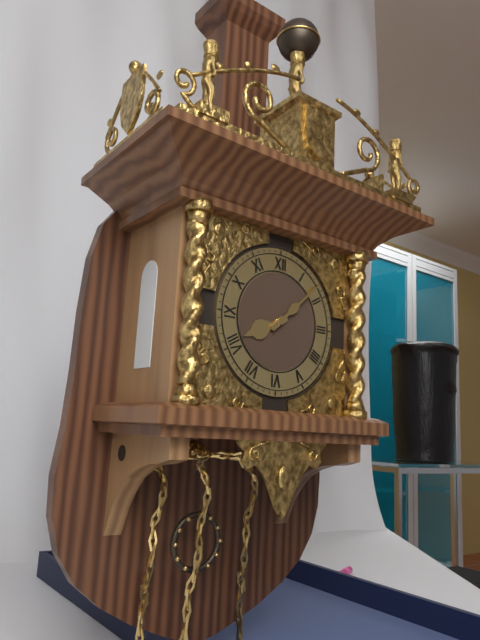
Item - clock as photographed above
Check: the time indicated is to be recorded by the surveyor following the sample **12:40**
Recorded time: **8:08**
